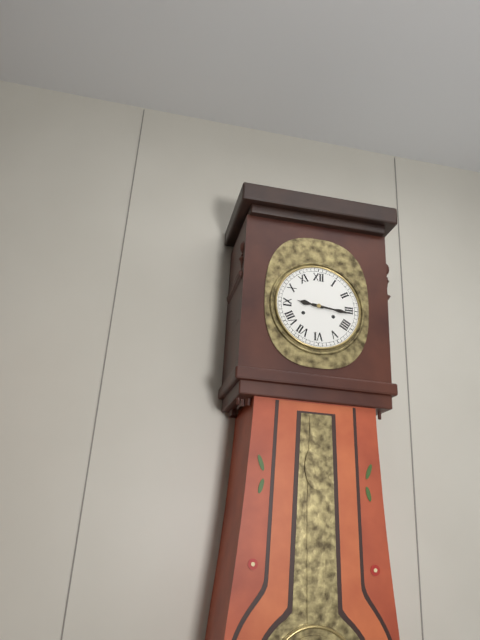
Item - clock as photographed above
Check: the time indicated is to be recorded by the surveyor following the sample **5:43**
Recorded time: **9:16**
